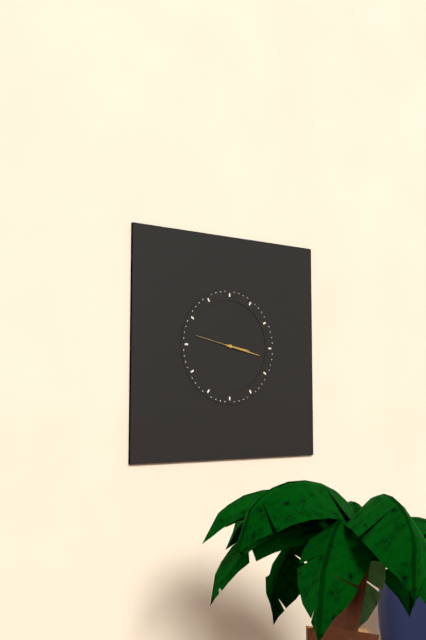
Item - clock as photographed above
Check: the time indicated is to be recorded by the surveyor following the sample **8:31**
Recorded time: **3:17**
